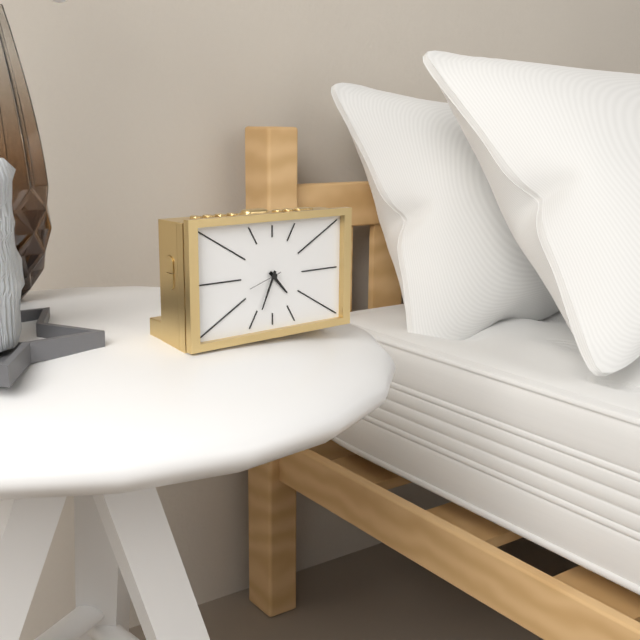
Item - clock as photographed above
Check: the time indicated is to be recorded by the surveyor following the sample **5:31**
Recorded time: **4:34**
